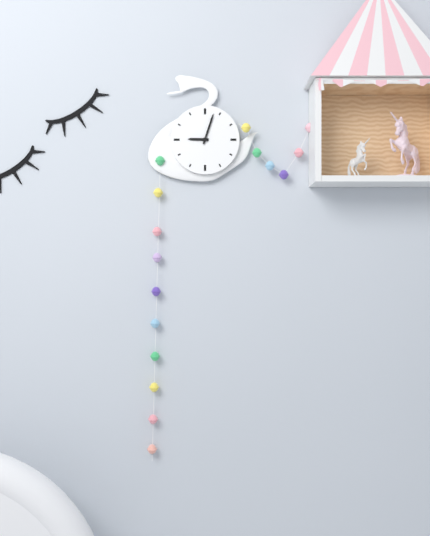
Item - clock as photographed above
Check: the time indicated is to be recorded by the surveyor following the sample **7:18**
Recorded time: **9:03**
